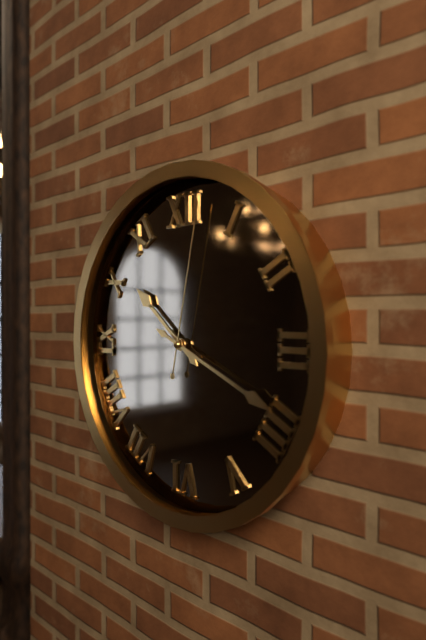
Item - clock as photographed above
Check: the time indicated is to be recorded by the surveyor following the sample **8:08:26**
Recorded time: **10:19:02**
